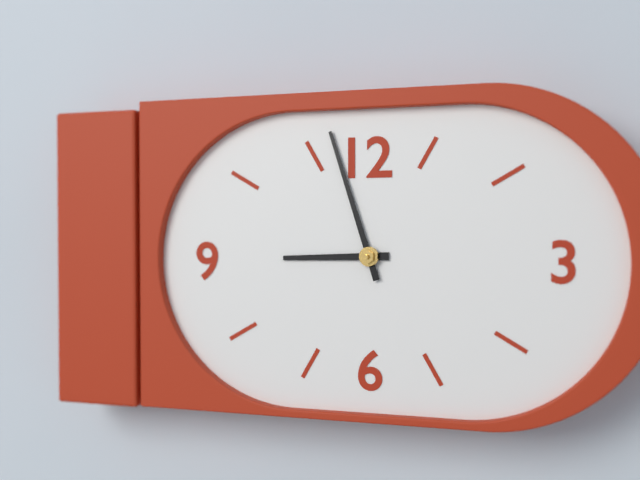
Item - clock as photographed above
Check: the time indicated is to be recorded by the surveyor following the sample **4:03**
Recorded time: **8:57**
